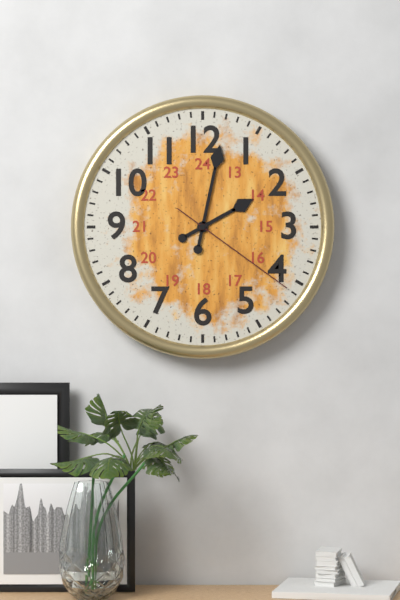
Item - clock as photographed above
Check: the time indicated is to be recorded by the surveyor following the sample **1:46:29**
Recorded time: **2:02:21**
